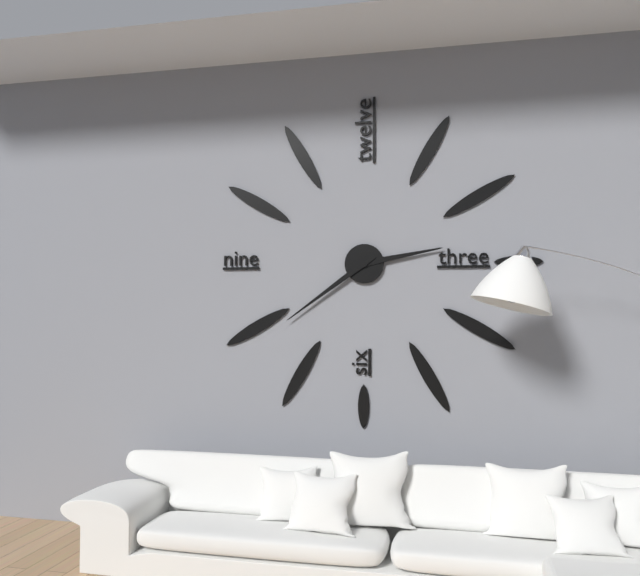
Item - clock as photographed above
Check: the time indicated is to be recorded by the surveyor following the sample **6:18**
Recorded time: **2:39**
